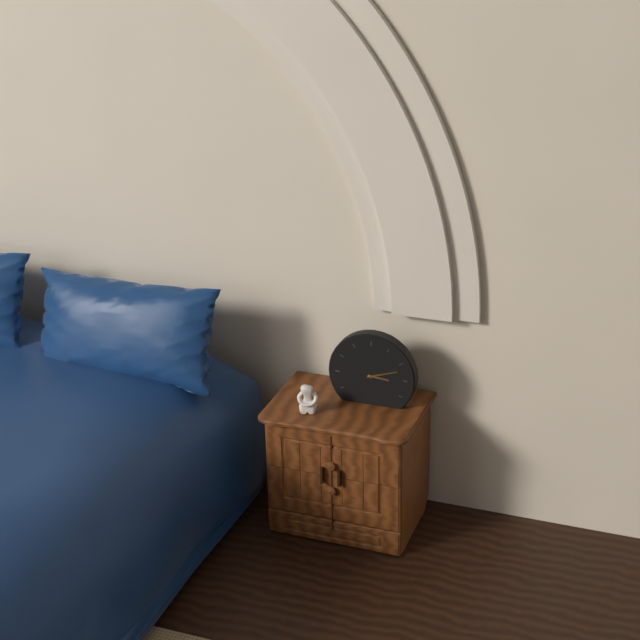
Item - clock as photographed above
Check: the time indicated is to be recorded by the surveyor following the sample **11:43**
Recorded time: **3:12**
